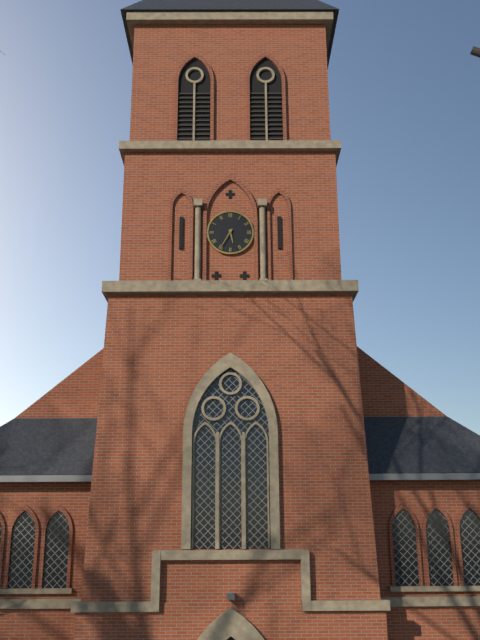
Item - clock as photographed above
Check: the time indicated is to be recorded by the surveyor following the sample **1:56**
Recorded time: **5:35**
